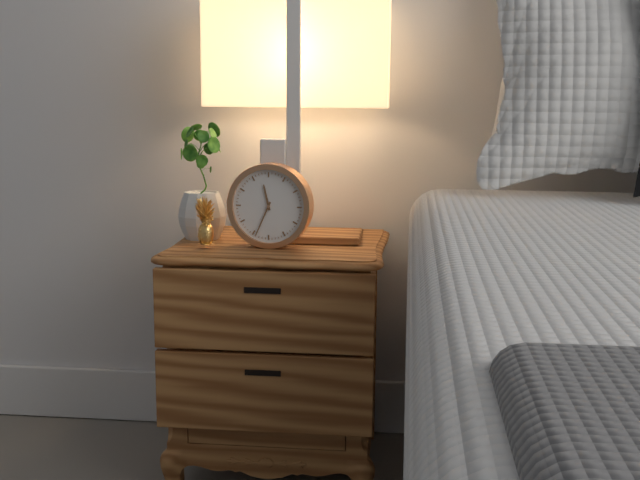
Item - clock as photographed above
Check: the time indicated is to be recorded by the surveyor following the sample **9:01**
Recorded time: **11:34**
